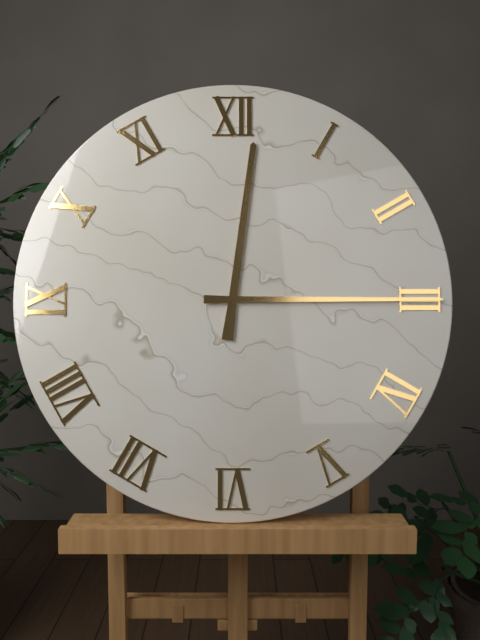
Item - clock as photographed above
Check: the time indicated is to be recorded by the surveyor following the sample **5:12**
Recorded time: **12:15**
